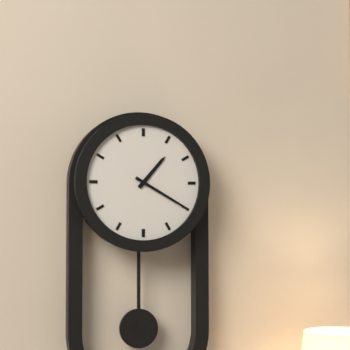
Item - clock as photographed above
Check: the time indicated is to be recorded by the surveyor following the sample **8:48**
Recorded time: **1:20**
